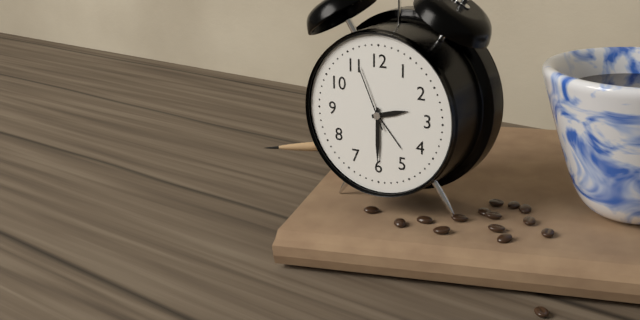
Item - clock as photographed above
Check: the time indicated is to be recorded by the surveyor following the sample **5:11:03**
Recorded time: **2:30:56**
